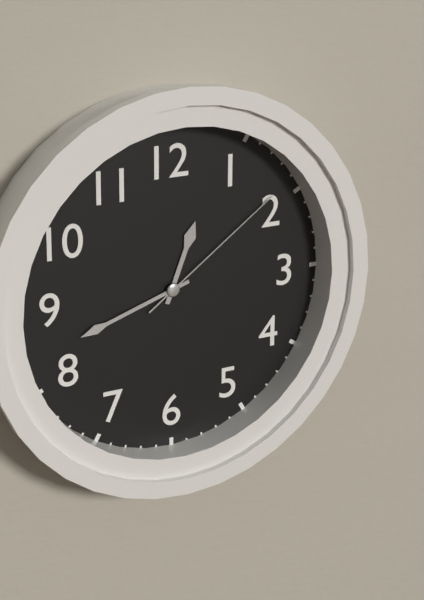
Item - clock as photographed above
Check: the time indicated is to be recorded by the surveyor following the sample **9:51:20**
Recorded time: **12:42:09**
